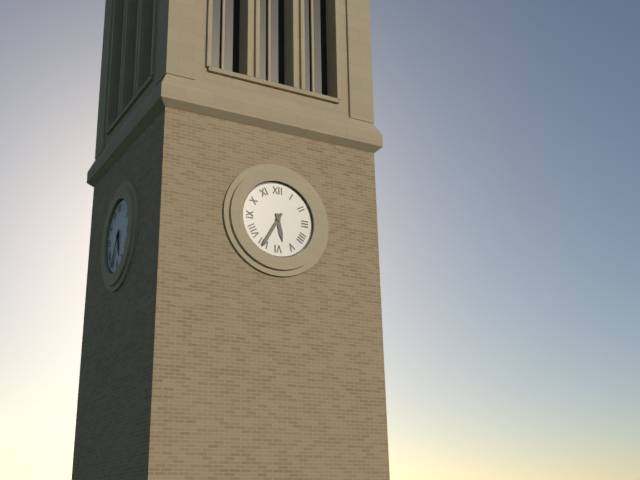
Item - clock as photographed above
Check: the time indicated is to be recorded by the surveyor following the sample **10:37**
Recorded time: **5:35**
